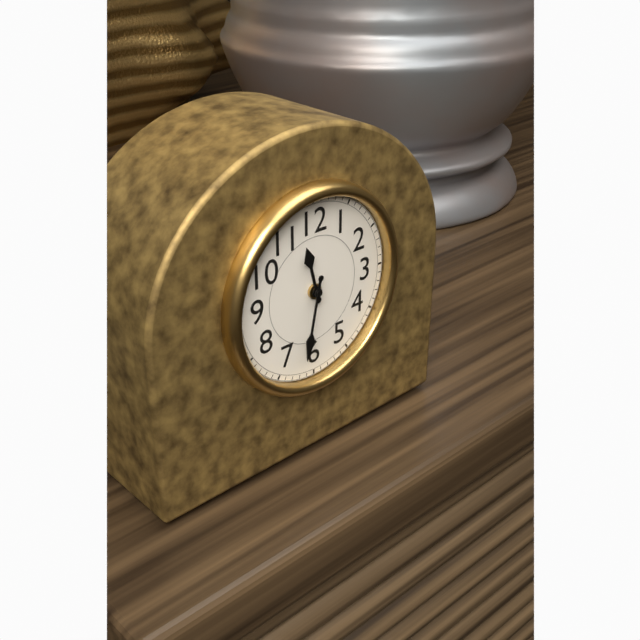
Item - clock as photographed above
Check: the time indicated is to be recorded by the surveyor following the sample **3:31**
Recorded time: **11:32**
